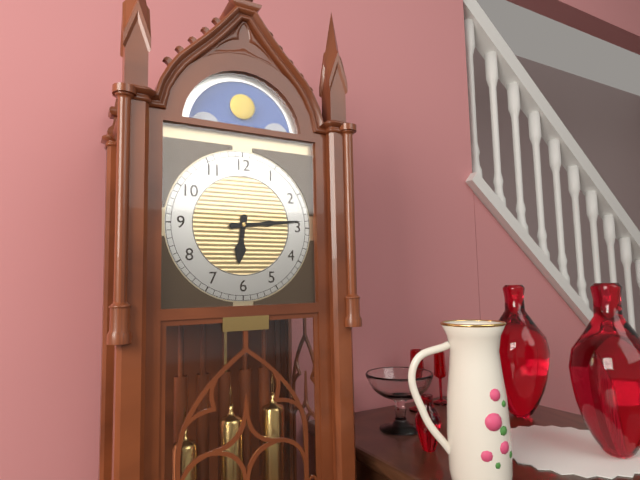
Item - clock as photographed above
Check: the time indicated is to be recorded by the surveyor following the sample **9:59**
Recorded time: **6:14**
